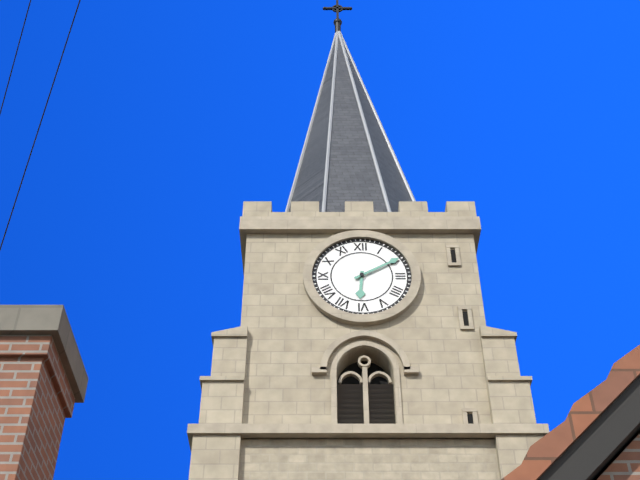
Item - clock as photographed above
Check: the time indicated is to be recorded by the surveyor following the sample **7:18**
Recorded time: **6:10**
